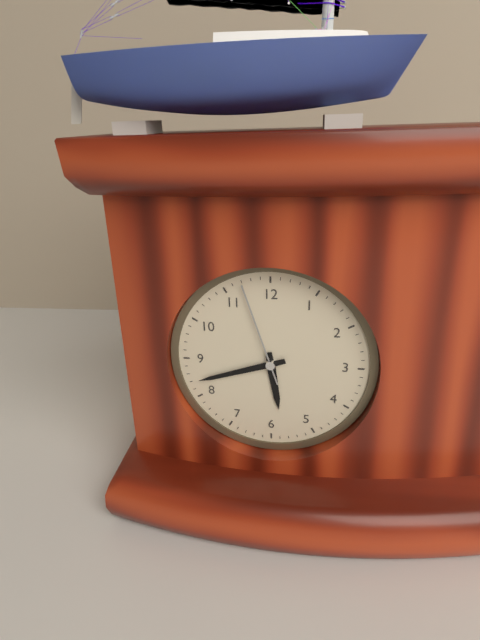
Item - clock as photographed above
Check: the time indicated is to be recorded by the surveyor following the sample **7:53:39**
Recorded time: **5:42:57**
